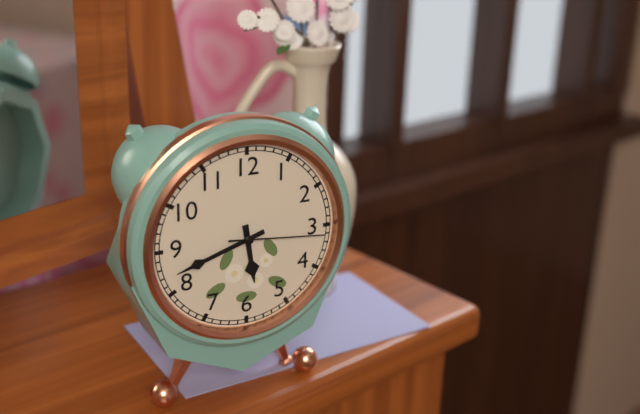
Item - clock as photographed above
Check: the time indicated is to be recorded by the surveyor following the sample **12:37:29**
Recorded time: **5:42:16**
